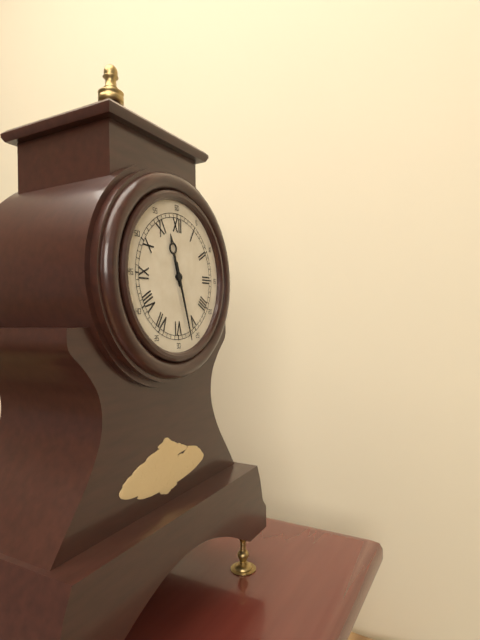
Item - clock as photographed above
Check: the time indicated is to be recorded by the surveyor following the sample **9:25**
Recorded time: **11:27**
